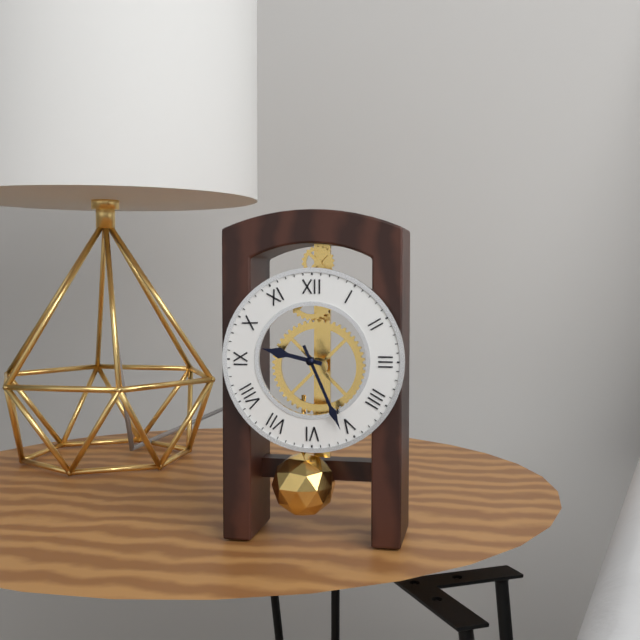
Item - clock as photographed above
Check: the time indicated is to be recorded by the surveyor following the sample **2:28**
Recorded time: **9:26**
